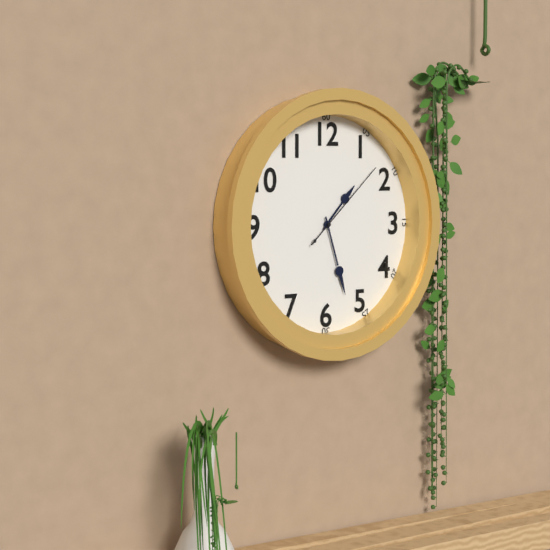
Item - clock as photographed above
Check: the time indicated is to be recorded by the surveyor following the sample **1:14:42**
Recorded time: **1:27:08**
